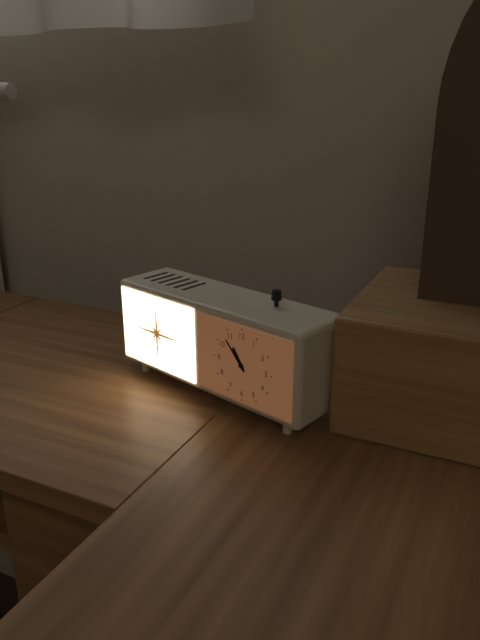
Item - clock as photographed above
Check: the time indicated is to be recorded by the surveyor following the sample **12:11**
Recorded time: **10:53**
